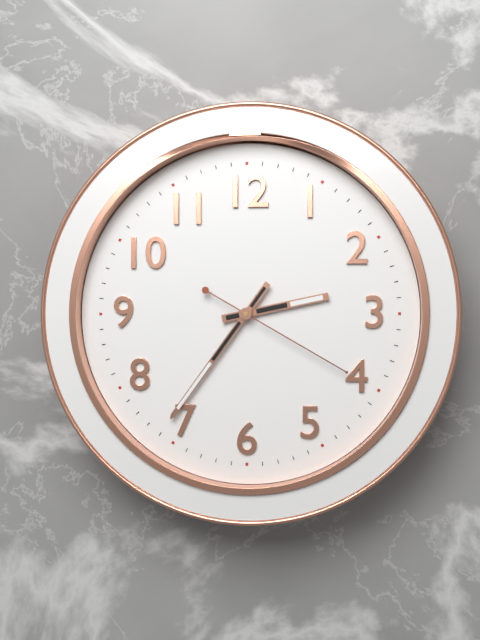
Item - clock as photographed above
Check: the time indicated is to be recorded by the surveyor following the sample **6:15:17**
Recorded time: **2:36:20**
